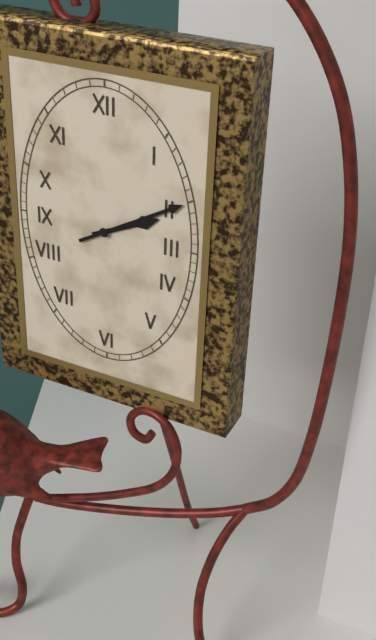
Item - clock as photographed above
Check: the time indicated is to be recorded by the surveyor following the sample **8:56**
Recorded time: **2:10**
